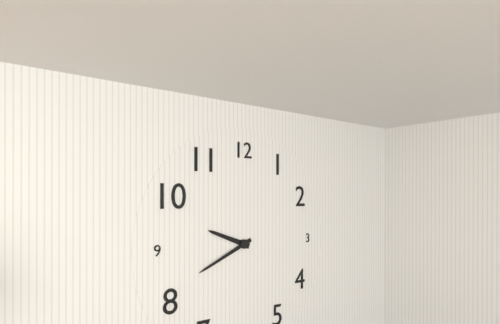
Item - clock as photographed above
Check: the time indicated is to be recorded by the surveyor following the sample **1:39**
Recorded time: **9:41**
